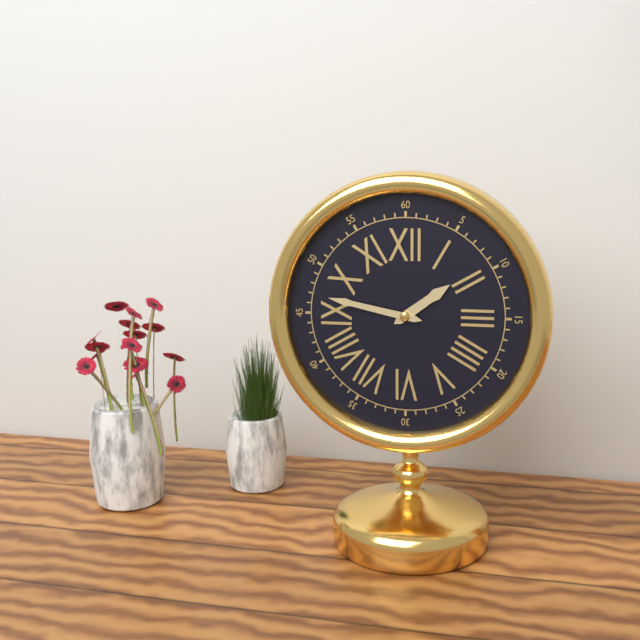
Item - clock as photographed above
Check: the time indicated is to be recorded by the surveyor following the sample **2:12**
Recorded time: **1:47**
